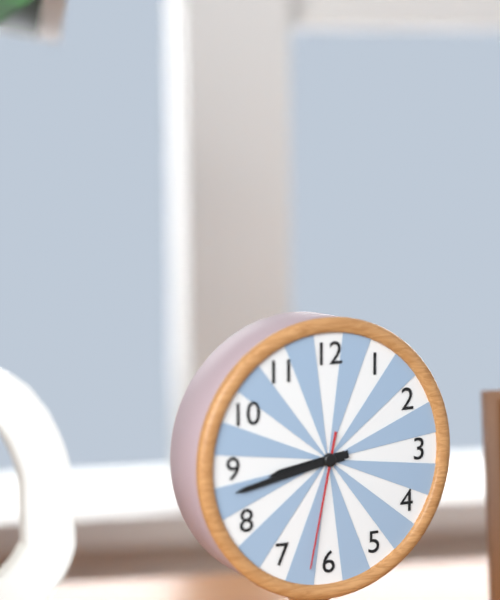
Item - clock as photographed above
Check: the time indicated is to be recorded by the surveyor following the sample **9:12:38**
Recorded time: **8:43:32**
